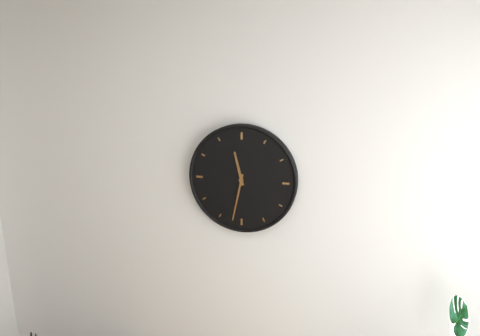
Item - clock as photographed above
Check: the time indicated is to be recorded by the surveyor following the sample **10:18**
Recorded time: **11:32**
